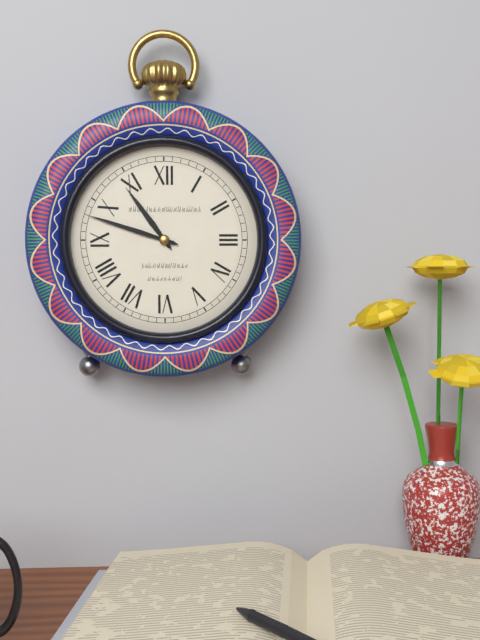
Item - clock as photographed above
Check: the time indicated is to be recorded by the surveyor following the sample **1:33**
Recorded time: **10:48**
